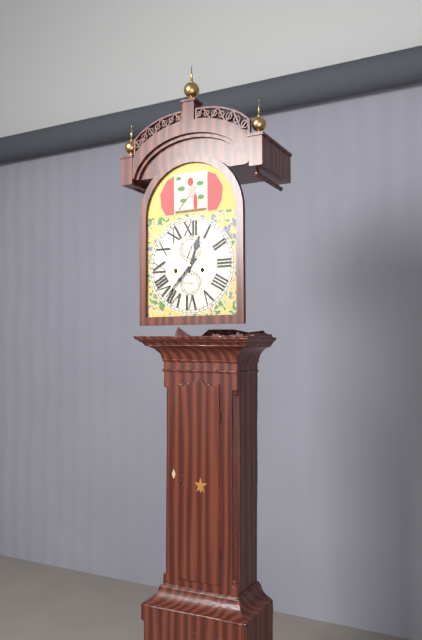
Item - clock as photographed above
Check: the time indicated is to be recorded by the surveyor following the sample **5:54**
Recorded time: **12:37**
